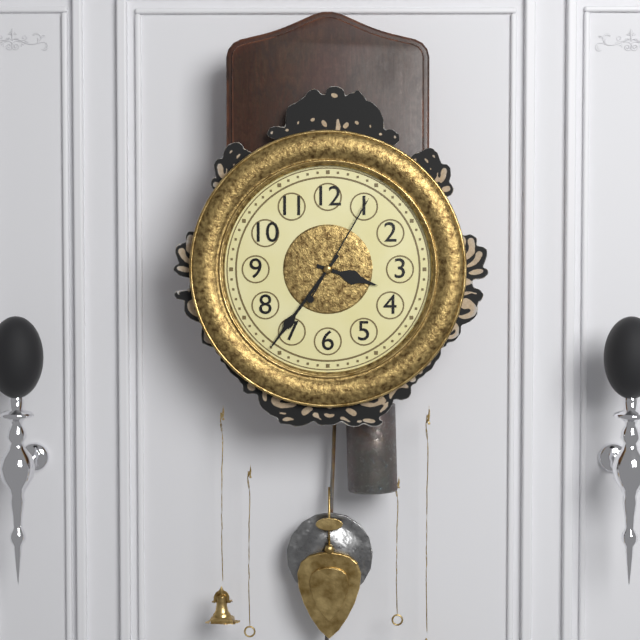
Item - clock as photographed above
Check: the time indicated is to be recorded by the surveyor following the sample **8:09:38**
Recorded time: **3:36:05**
